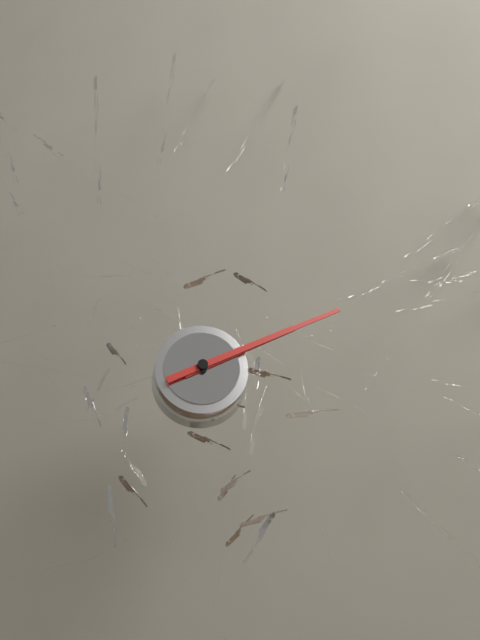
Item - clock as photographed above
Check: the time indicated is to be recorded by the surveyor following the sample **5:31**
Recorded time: **2:11**
